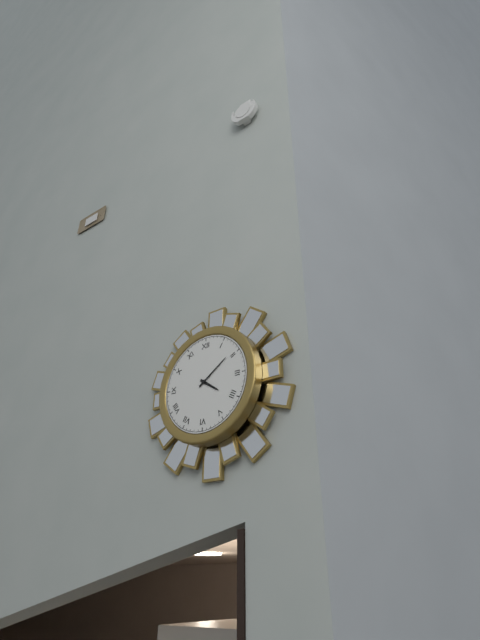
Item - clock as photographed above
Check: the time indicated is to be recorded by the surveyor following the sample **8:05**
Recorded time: **4:09**
